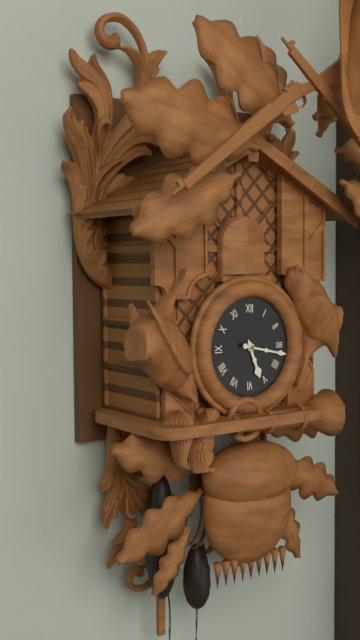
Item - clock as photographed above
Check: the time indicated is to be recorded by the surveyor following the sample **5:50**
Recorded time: **5:17**
